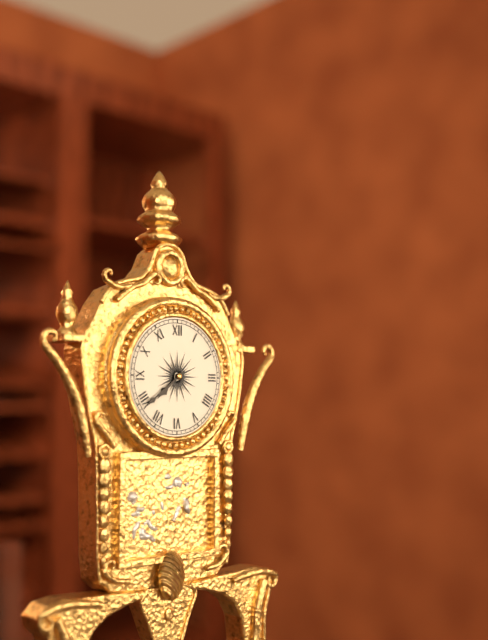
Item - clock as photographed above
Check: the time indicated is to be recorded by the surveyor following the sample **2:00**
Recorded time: **7:39**
